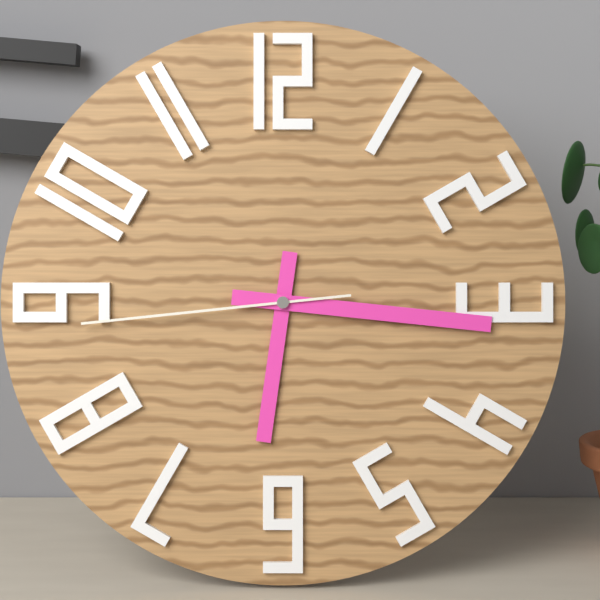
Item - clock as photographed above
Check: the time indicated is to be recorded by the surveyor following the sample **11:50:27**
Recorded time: **6:16:44**
